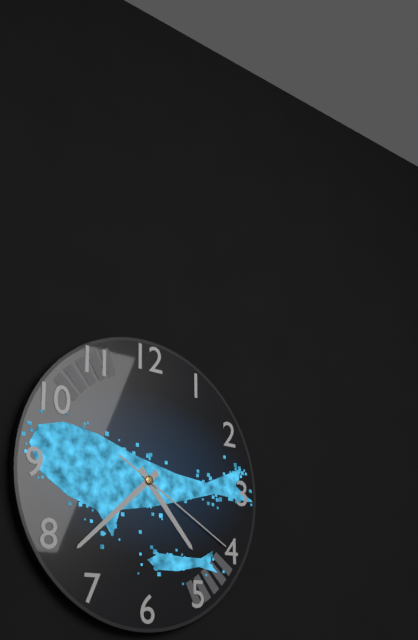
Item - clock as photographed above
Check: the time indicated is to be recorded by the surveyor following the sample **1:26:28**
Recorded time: **4:38:20**
